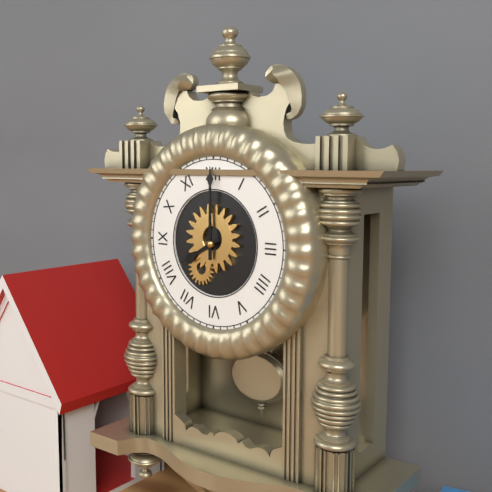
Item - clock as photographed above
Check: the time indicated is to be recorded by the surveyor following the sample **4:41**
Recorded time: **8:00**
